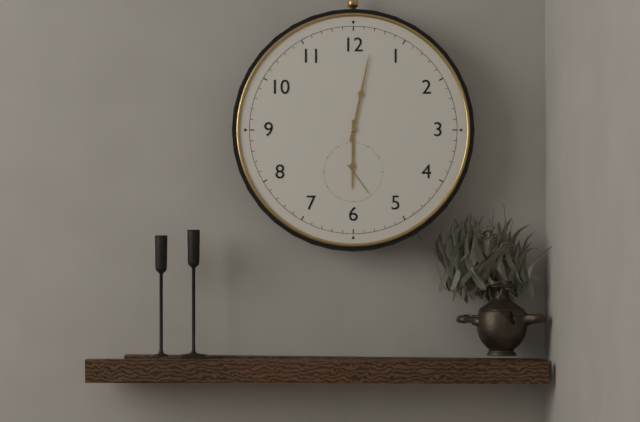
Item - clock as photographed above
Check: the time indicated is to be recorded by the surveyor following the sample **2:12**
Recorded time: **6:02**
